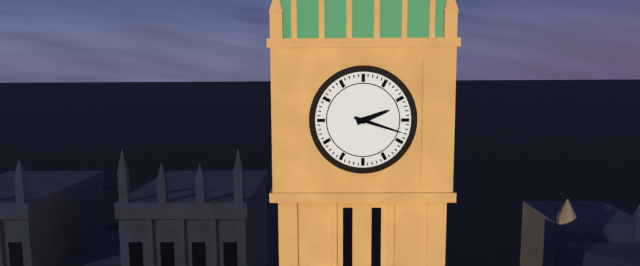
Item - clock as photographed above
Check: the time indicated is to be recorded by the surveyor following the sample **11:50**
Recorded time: **2:18**
